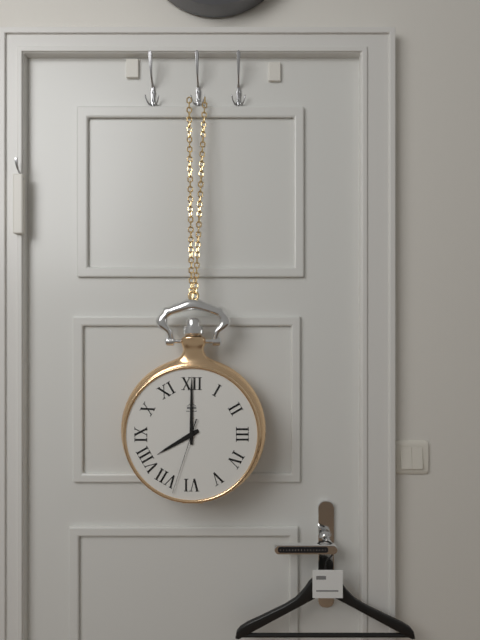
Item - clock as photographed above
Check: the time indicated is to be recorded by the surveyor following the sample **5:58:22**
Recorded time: **8:00:33**
